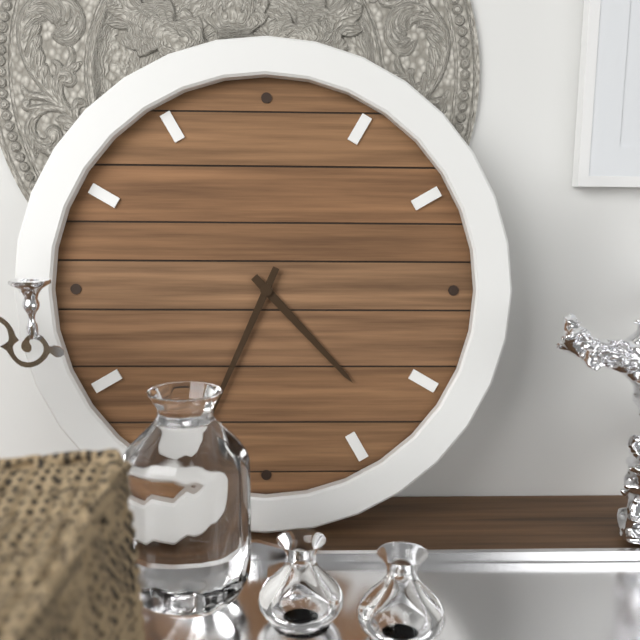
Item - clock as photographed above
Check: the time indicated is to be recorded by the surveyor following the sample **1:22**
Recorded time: **4:34**
